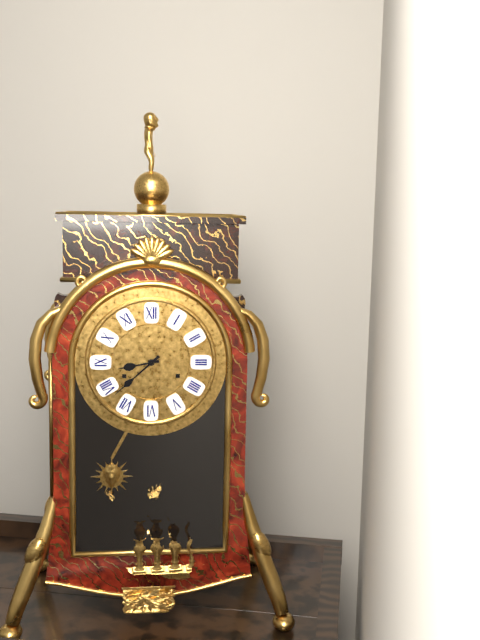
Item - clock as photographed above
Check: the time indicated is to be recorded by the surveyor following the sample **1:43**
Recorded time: **8:38**
